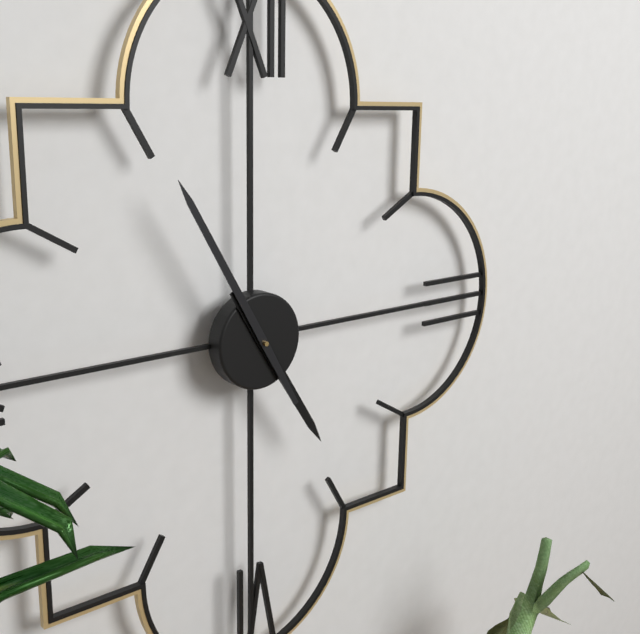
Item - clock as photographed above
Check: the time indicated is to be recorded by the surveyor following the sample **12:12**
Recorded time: **4:55**
